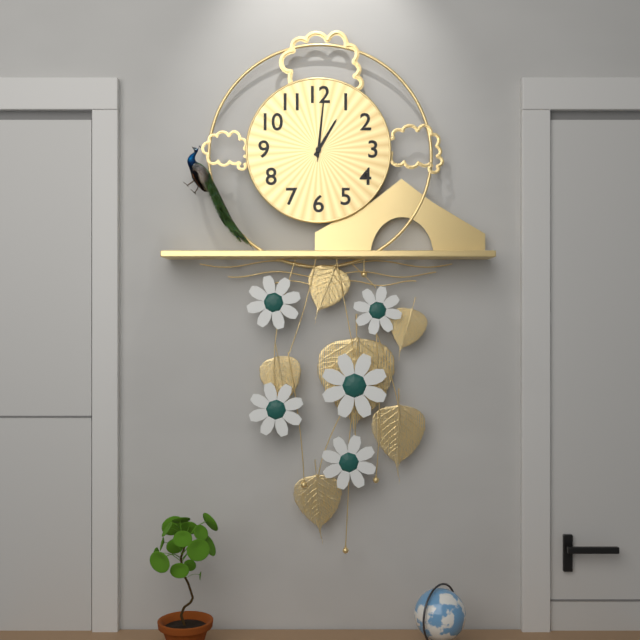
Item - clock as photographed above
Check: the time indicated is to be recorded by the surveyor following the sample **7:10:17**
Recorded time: **1:01:01**
